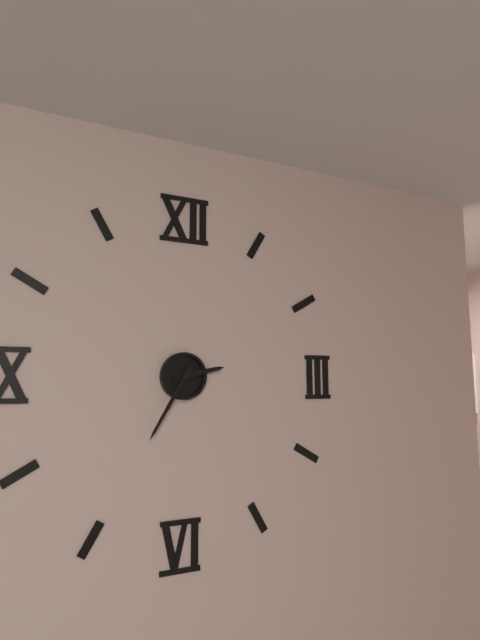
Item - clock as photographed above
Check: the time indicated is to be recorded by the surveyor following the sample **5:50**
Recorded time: **2:35**
